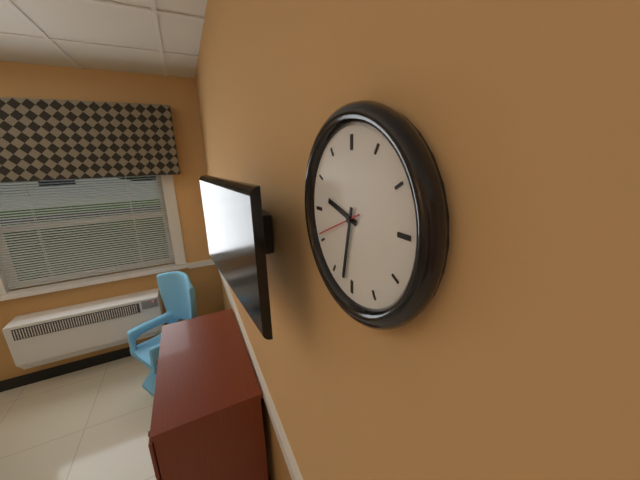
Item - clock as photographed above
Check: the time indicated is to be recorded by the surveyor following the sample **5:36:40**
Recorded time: **9:32:41**
